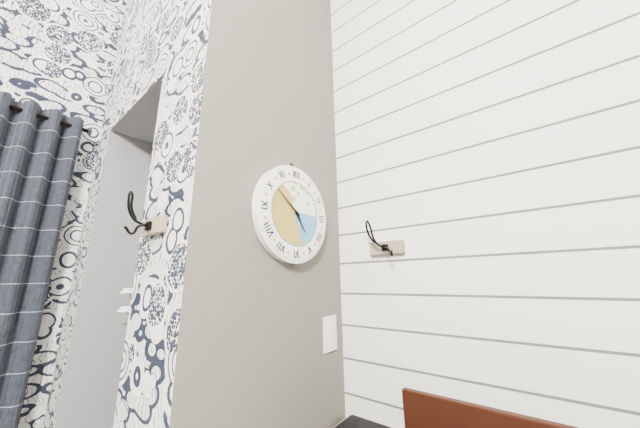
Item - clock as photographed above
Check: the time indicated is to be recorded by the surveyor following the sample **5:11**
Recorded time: **4:51**
